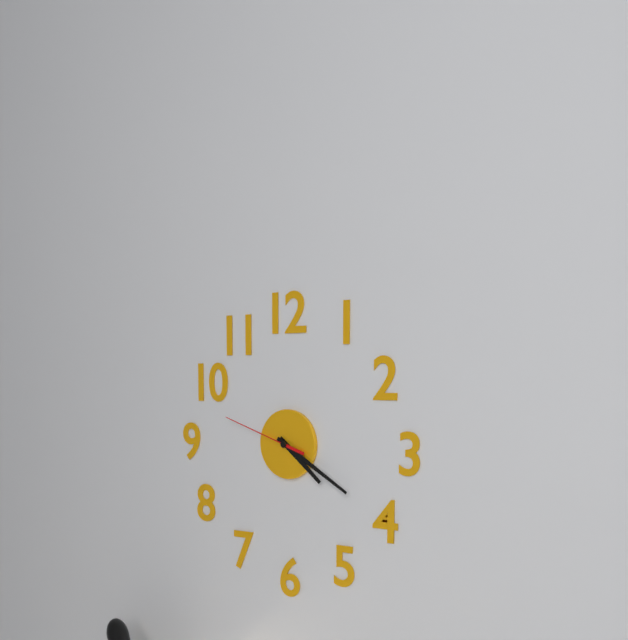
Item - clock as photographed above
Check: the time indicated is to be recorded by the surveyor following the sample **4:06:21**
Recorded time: **4:20:48**
